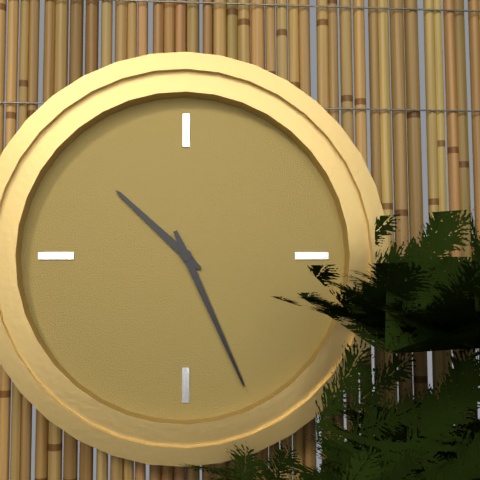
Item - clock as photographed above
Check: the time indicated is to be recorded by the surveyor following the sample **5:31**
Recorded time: **10:26**
